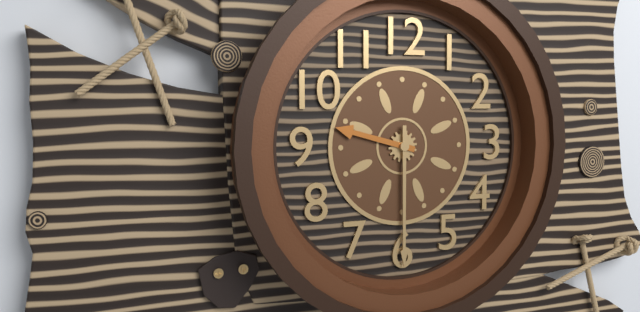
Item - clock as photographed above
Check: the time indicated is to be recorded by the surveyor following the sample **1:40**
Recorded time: **9:30**
